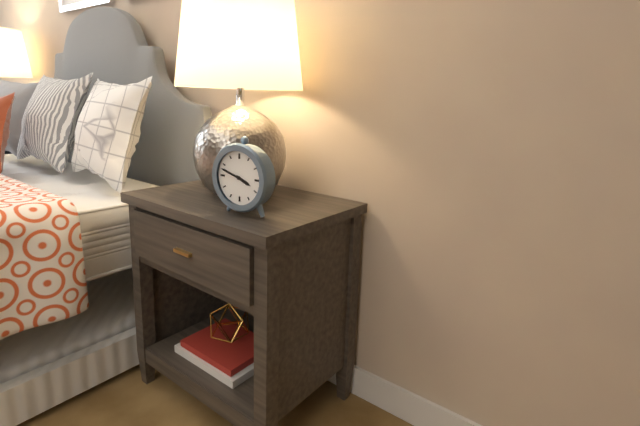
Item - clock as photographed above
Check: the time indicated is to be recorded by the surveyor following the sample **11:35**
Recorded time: **3:48**
